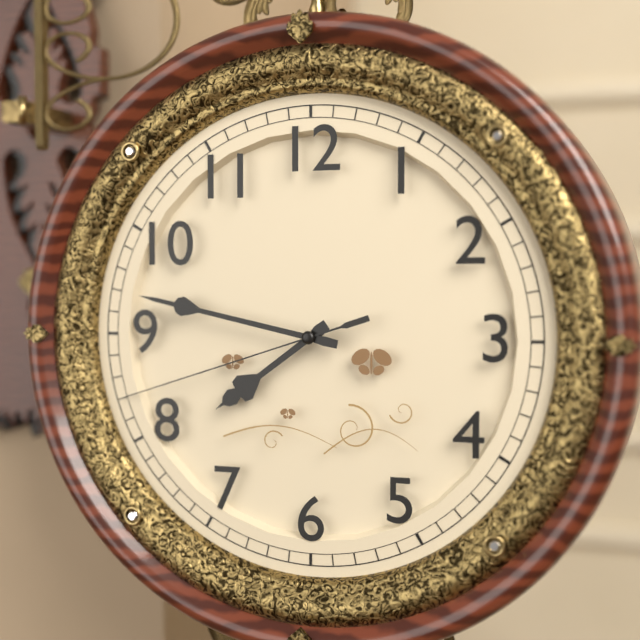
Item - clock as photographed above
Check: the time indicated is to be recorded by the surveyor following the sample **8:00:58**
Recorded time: **7:47:42**
